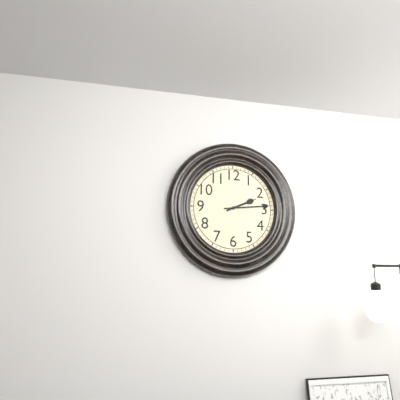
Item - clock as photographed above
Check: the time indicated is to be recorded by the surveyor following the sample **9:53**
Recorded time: **2:14**
